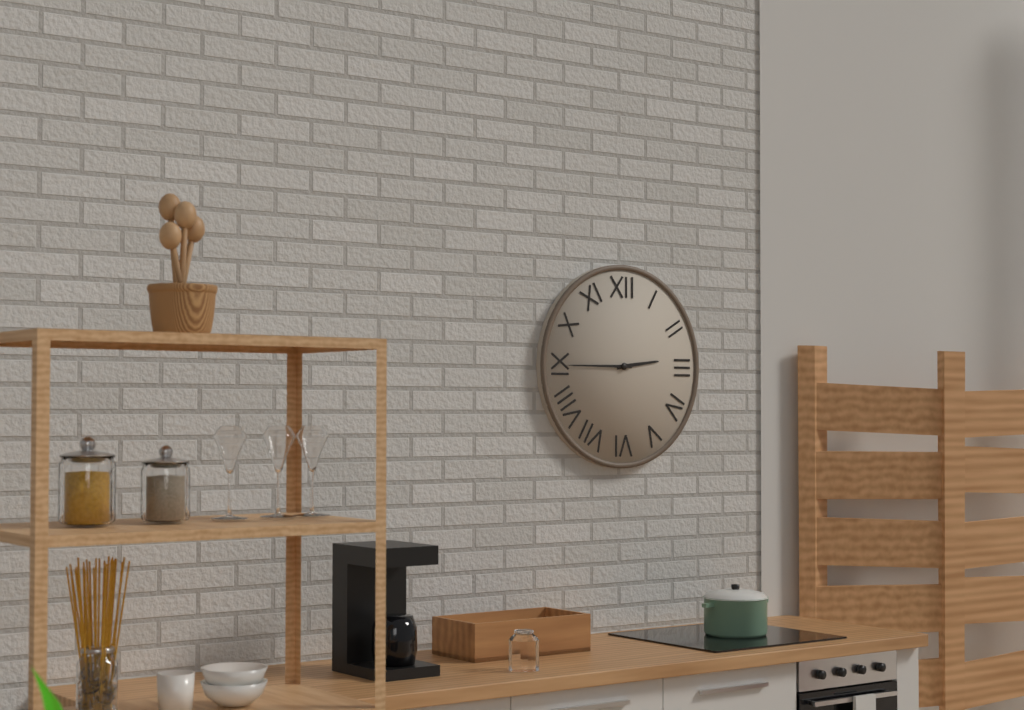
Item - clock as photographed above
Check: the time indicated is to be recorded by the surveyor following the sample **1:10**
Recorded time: **2:45**
